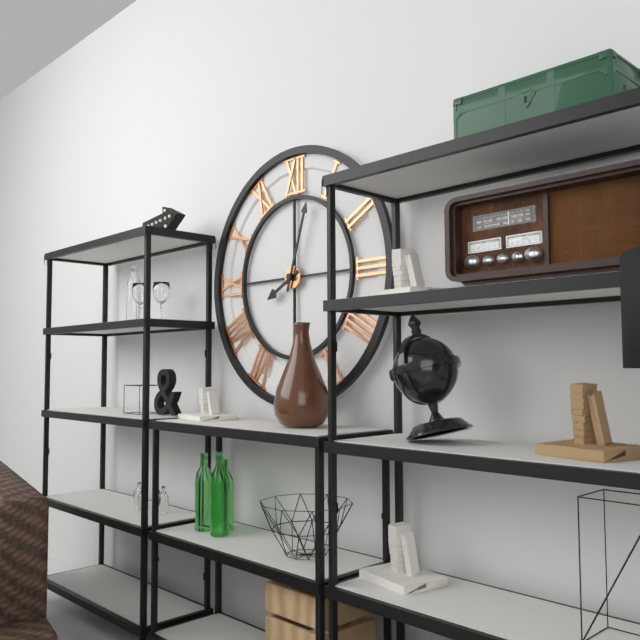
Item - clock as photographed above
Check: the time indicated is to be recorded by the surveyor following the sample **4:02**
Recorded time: **8:03**
